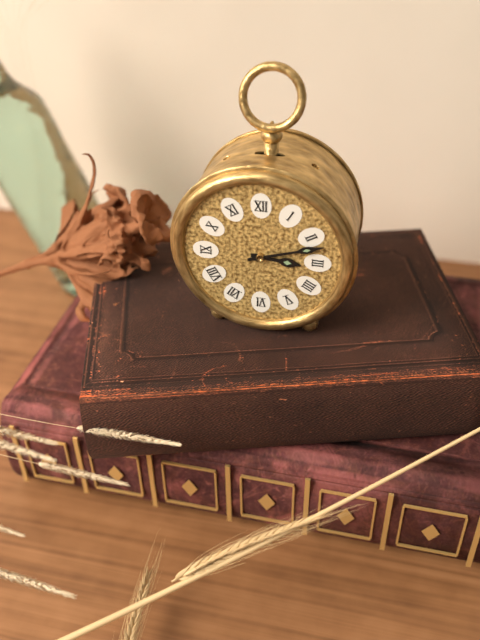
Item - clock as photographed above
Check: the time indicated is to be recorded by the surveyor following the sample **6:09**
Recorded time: **3:12**
